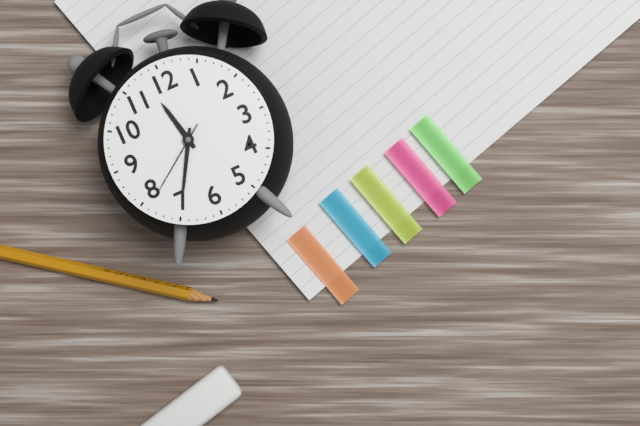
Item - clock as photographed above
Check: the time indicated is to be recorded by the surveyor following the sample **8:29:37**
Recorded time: **11:35:39**
